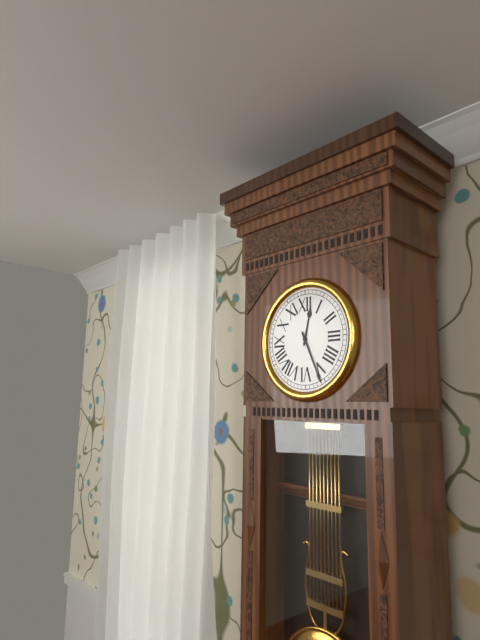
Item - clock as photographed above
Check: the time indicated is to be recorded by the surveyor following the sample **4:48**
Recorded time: **12:26**
